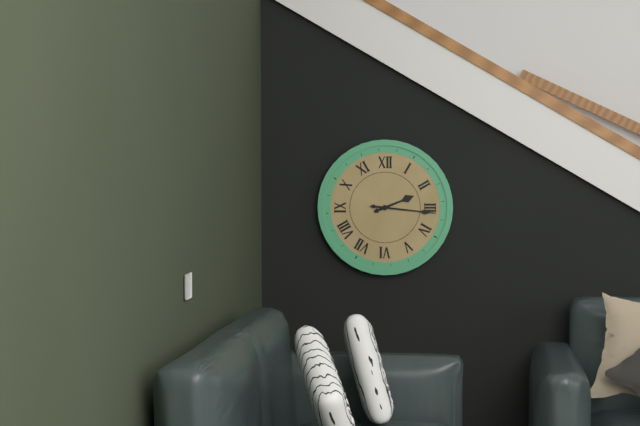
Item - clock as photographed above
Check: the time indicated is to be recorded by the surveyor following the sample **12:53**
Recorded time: **2:16**
